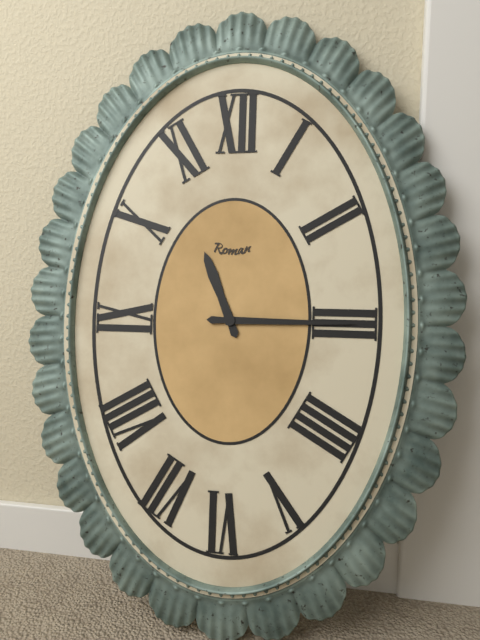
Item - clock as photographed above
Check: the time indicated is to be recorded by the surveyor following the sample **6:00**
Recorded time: **11:15**
